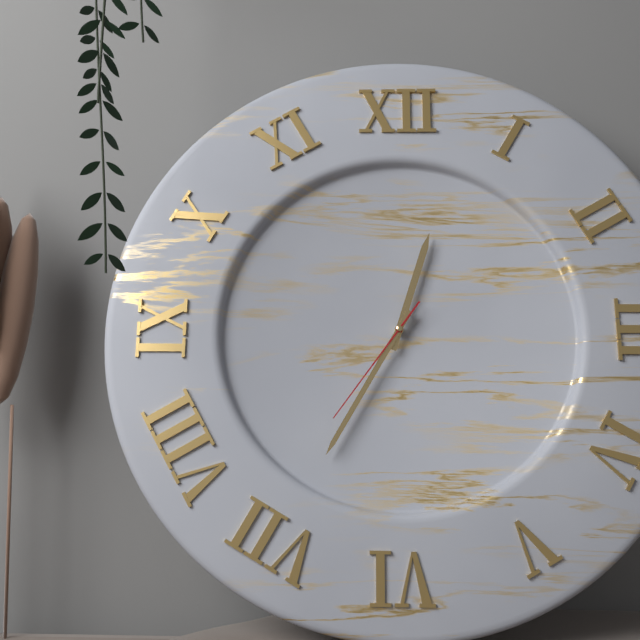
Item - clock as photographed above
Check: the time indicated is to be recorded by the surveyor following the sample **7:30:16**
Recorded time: **12:35:36**
